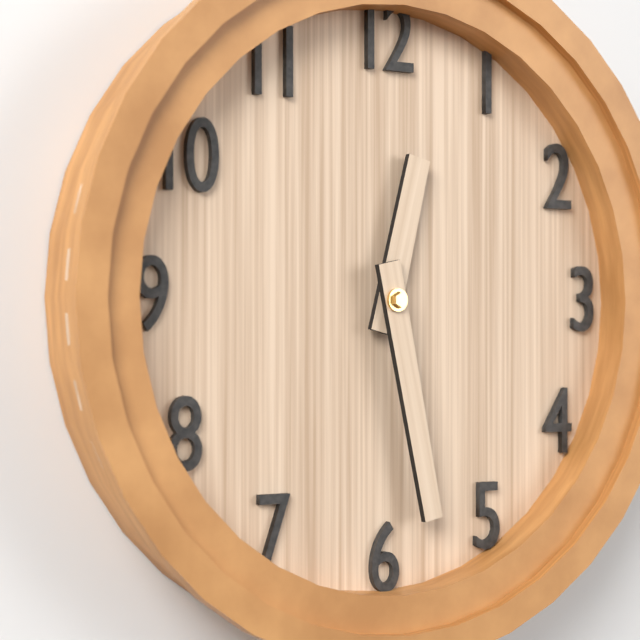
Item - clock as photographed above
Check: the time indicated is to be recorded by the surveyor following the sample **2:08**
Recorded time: **12:28**
